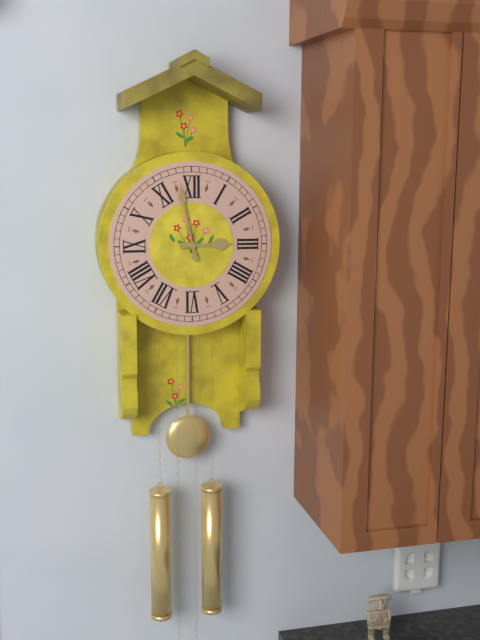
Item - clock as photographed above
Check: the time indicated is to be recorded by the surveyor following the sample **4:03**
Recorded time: **2:58**
